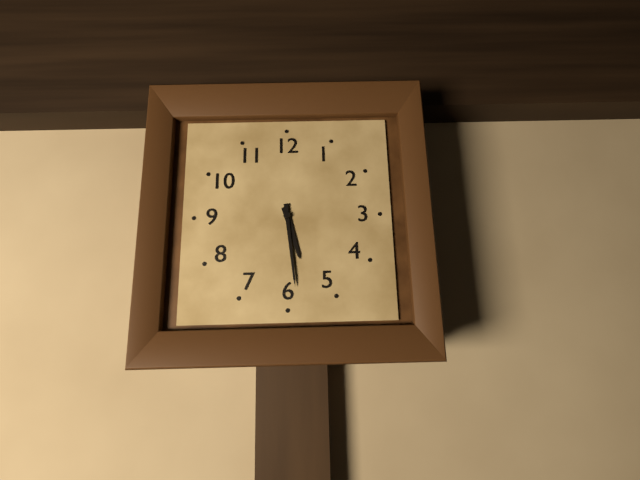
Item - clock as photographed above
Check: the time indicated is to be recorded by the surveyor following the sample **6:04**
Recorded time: **5:29**
